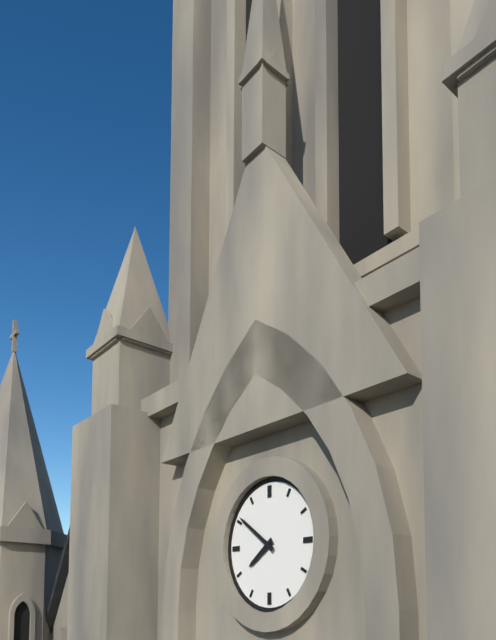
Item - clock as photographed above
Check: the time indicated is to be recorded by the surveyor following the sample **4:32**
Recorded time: **7:51**
